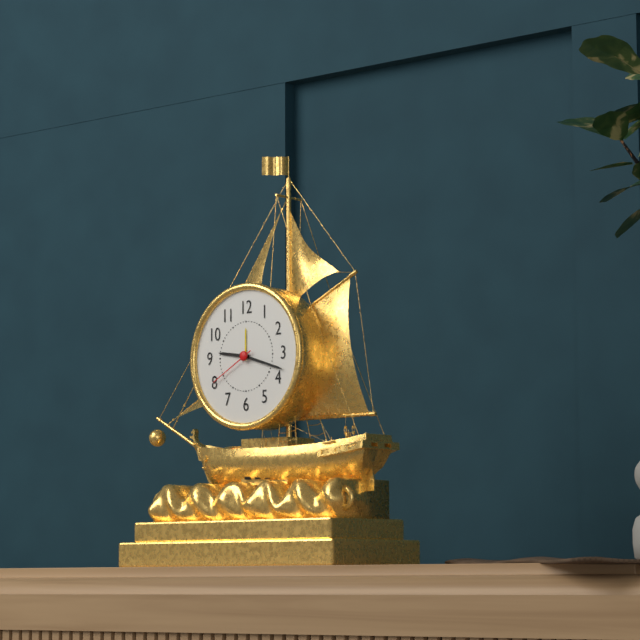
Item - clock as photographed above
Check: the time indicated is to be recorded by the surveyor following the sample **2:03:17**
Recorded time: **9:18:40**
